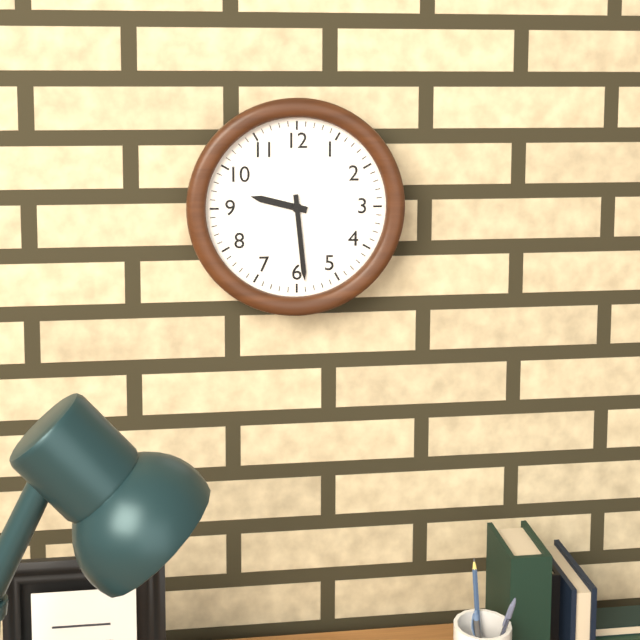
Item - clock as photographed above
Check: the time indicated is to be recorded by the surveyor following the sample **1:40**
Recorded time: **9:29**
